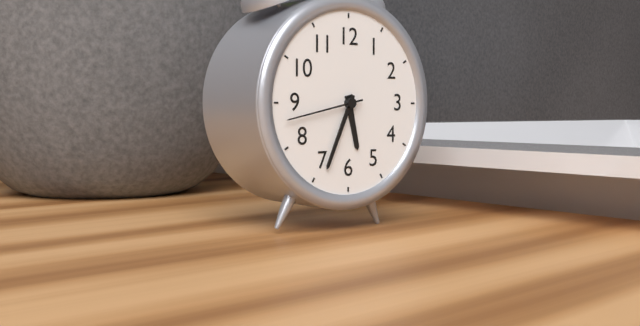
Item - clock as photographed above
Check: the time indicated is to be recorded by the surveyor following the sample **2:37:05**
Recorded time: **5:34:43**
